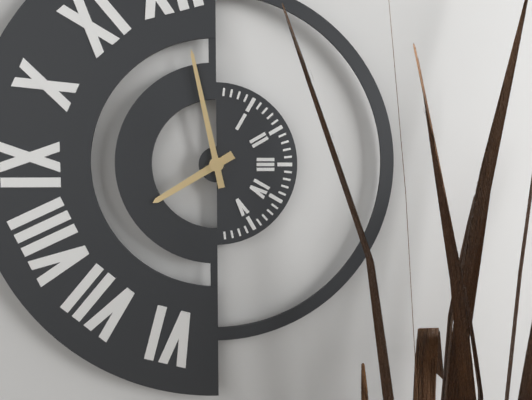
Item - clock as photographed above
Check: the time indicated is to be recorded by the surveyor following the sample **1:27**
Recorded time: **7:58**
